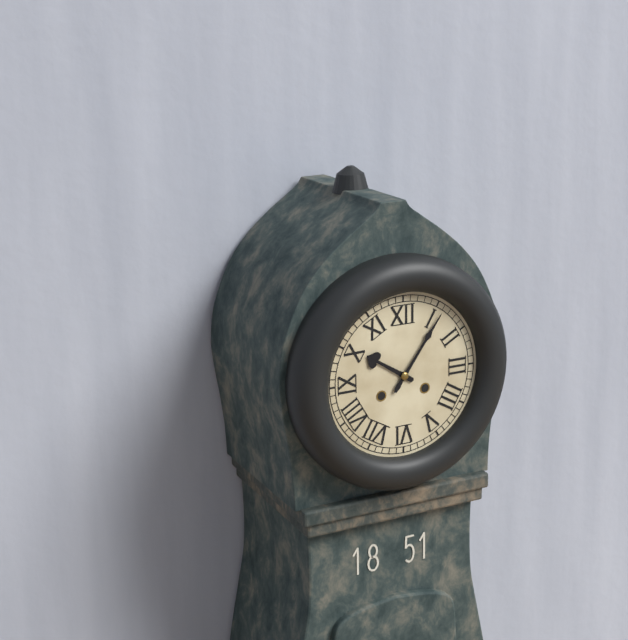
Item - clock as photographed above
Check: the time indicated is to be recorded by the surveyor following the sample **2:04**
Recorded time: **10:06**
